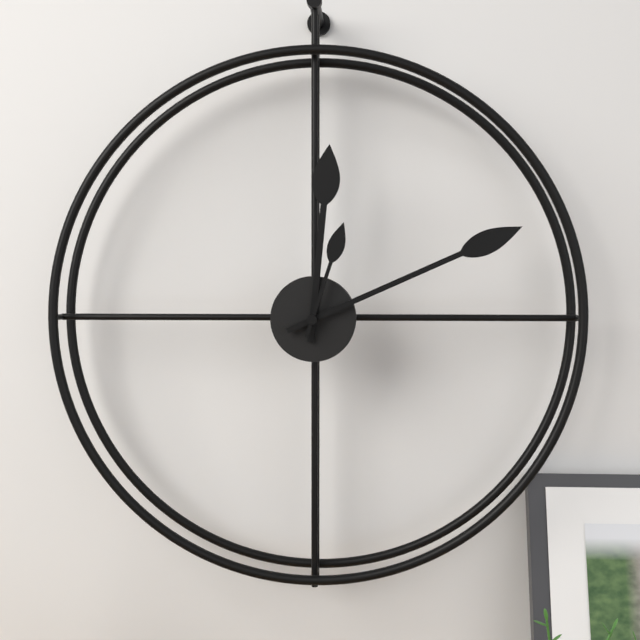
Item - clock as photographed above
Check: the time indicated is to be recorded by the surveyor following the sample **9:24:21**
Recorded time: **12:11:03**
